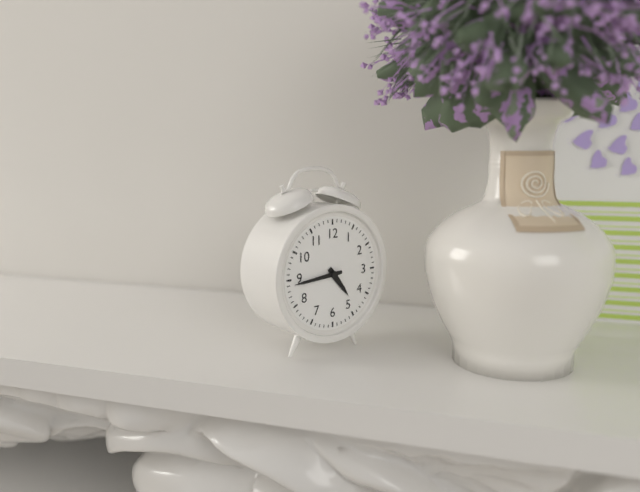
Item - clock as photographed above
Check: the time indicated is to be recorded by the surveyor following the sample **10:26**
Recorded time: **4:44**
